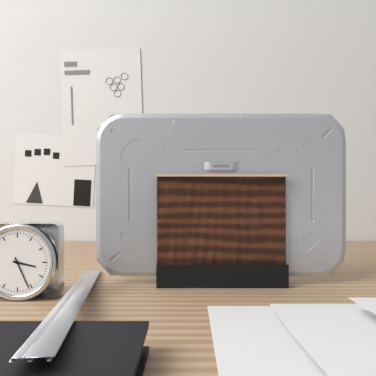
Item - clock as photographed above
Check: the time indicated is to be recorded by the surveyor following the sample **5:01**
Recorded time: **3:26**
